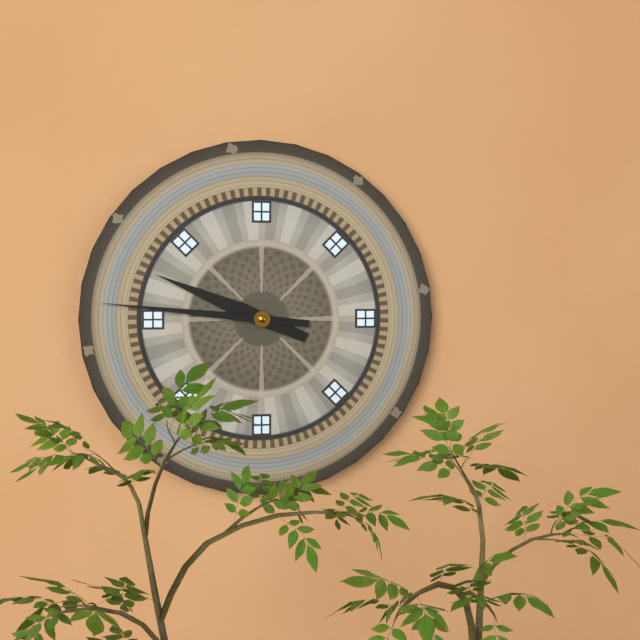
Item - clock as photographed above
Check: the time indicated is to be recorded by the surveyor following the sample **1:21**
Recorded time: **9:46**
